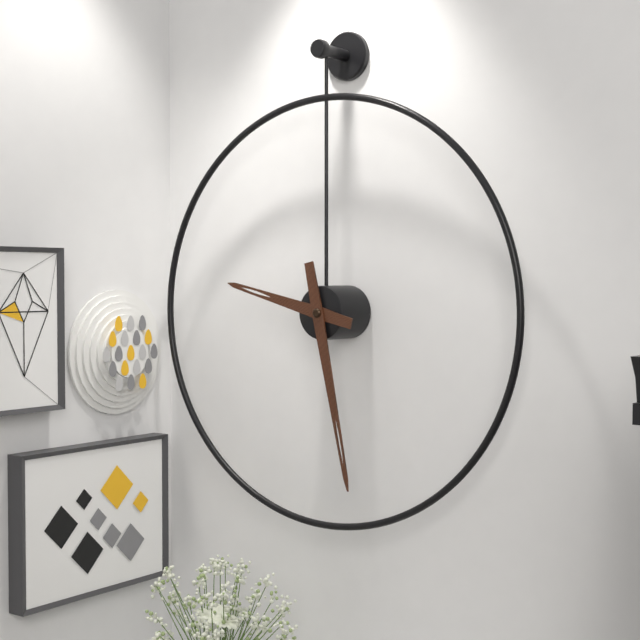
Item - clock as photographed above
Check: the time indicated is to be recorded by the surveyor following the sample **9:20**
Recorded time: **9:28**
